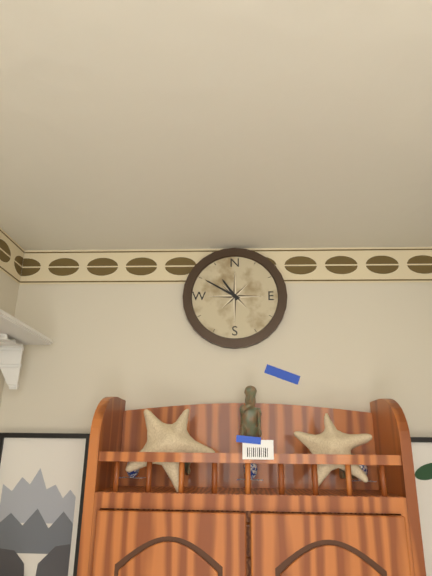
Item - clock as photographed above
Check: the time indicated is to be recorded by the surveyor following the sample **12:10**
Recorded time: **10:50**
